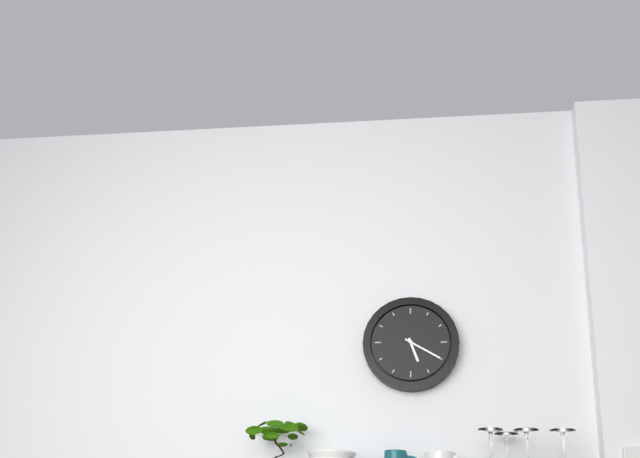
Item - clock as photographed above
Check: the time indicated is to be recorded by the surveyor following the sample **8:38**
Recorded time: **5:20**
